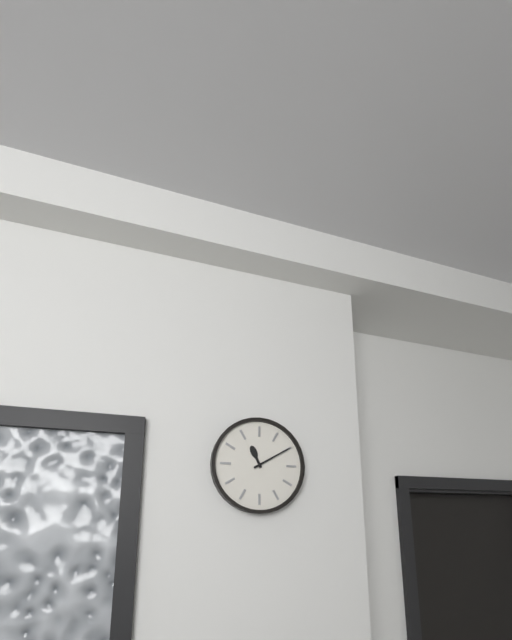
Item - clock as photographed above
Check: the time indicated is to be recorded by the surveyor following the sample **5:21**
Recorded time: **11:10**
